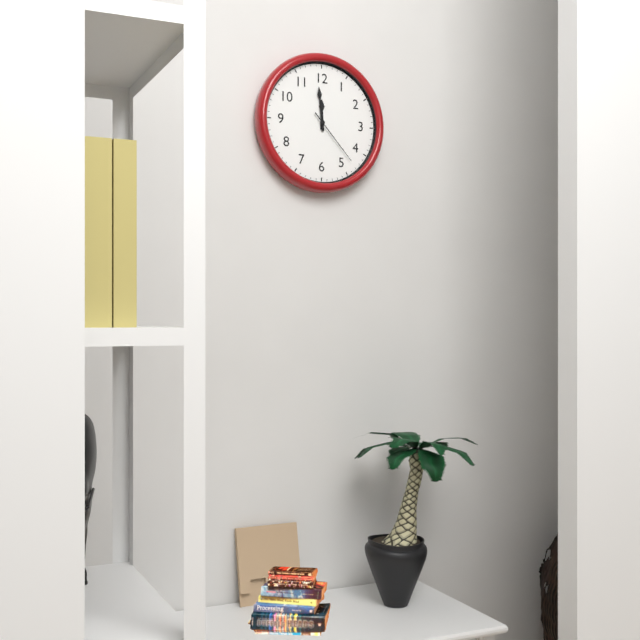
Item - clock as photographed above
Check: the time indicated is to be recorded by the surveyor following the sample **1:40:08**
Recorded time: **11:59:23**
